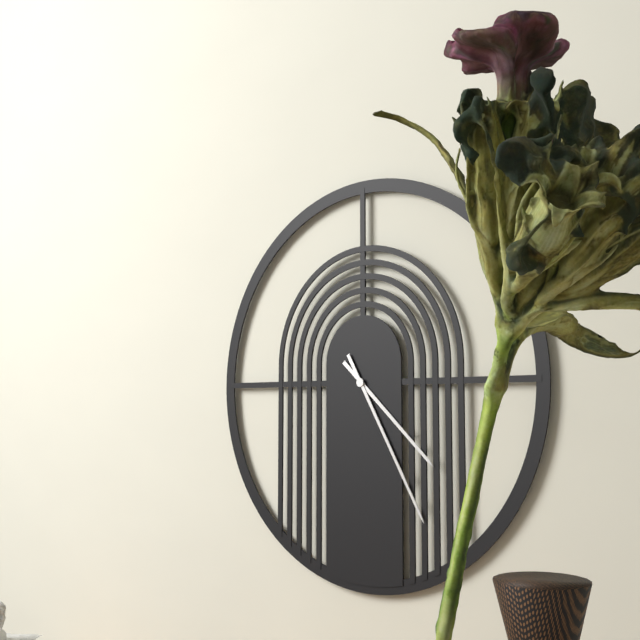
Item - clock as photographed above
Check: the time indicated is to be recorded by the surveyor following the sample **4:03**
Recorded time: **4:25**
